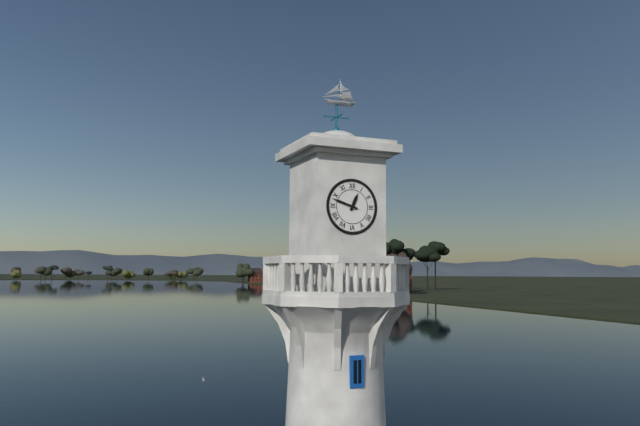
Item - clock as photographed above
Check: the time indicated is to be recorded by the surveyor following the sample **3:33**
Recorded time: **12:48**
